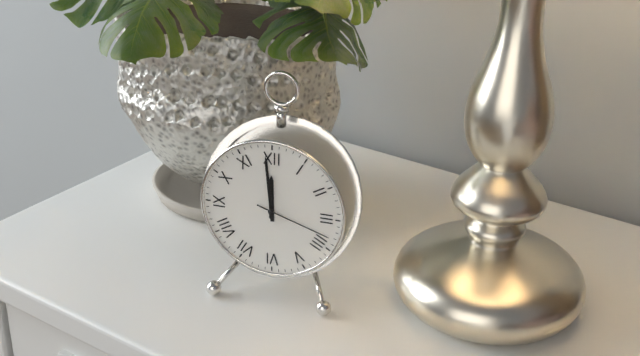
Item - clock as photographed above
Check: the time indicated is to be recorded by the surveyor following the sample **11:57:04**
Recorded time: **11:59:18**
